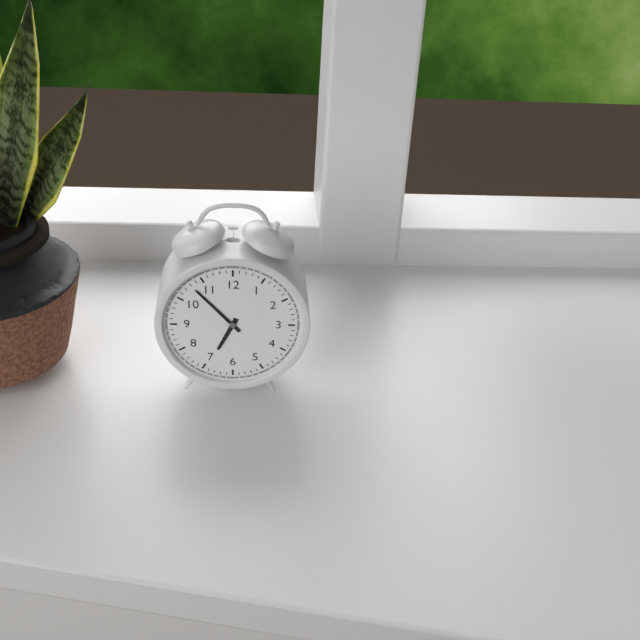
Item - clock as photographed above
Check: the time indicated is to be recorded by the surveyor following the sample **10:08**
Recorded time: **6:53**
